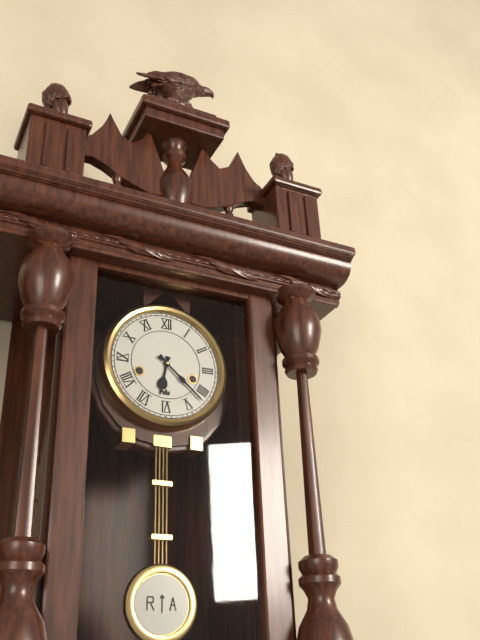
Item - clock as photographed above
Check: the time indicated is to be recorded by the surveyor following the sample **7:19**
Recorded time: **6:22**
